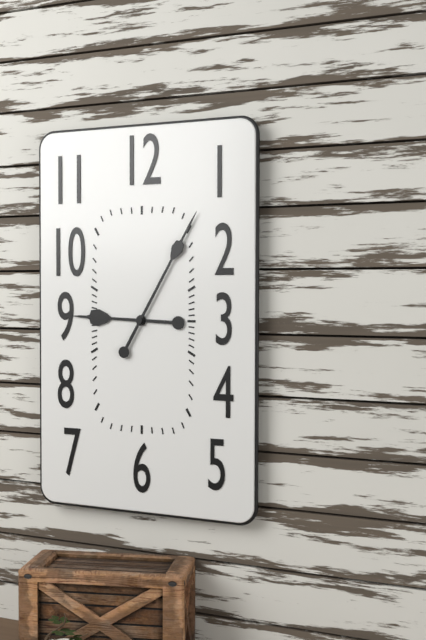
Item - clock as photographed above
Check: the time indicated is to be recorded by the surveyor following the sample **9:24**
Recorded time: **9:05**
